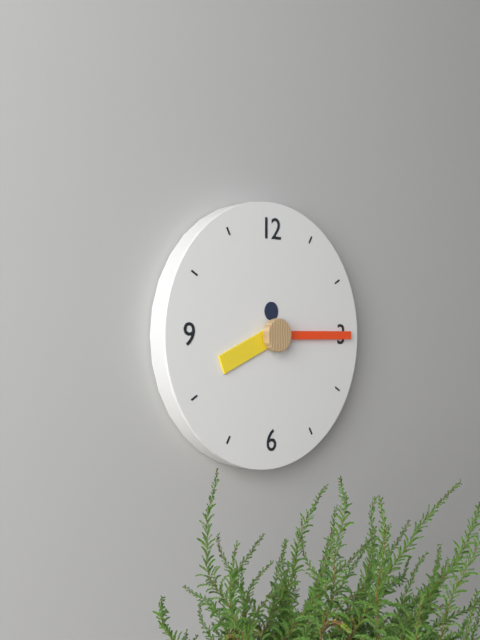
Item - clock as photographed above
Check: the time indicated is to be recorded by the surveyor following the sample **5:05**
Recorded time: **8:15**
